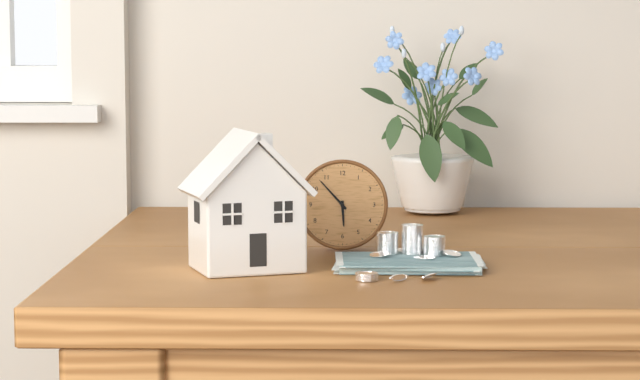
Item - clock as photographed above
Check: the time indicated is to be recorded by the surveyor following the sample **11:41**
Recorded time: **5:53**
